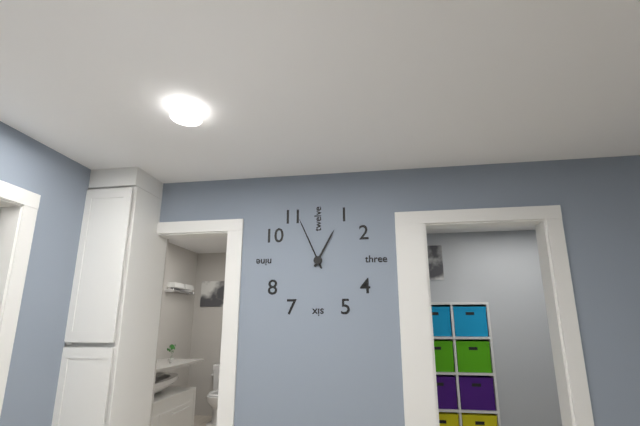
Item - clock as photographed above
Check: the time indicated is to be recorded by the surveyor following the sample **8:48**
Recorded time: **12:56**
